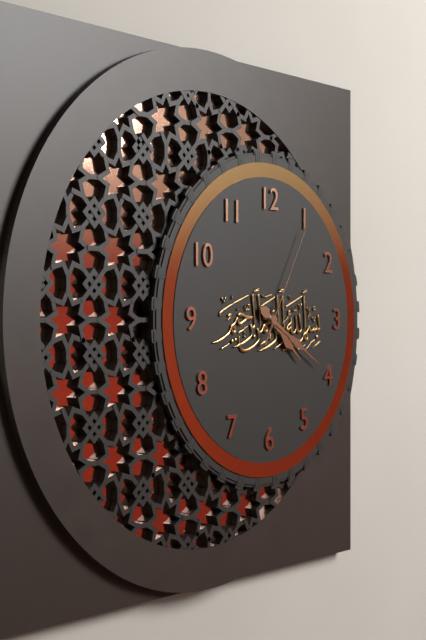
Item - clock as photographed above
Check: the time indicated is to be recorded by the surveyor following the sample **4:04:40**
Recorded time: **4:20:05**
